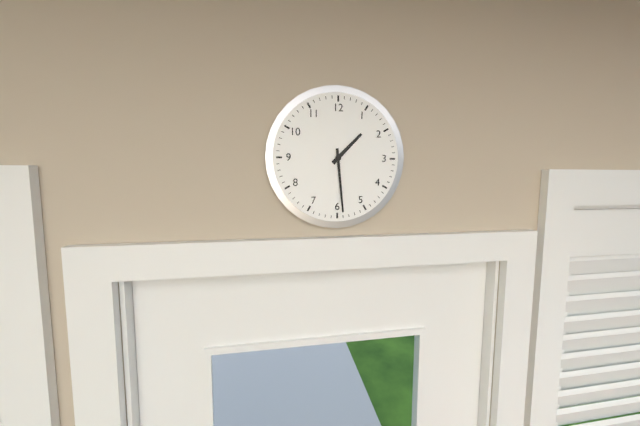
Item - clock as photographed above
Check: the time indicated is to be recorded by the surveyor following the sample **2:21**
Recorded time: **1:29**
